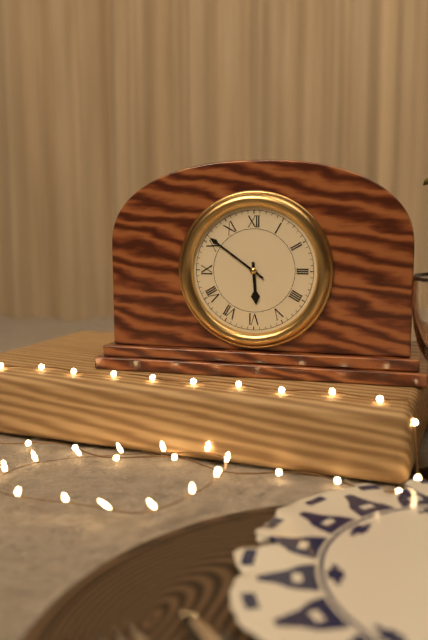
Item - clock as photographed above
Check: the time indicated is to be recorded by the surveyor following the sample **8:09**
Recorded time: **5:51**
